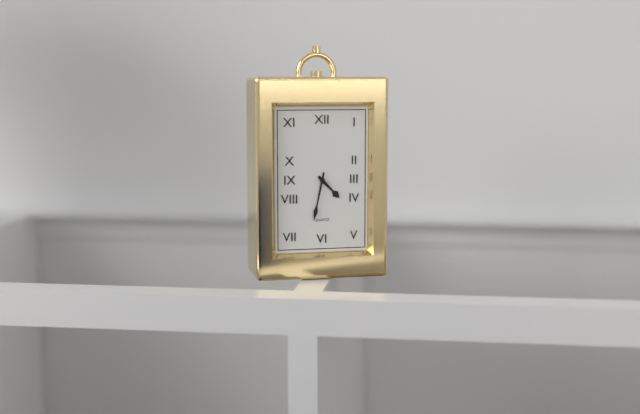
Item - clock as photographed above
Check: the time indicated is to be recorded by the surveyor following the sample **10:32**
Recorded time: **4:32**
